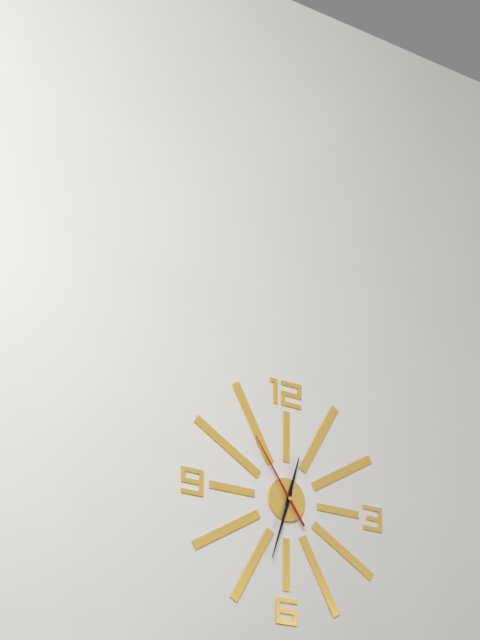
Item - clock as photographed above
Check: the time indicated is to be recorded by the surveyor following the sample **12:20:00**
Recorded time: **12:33:54**
